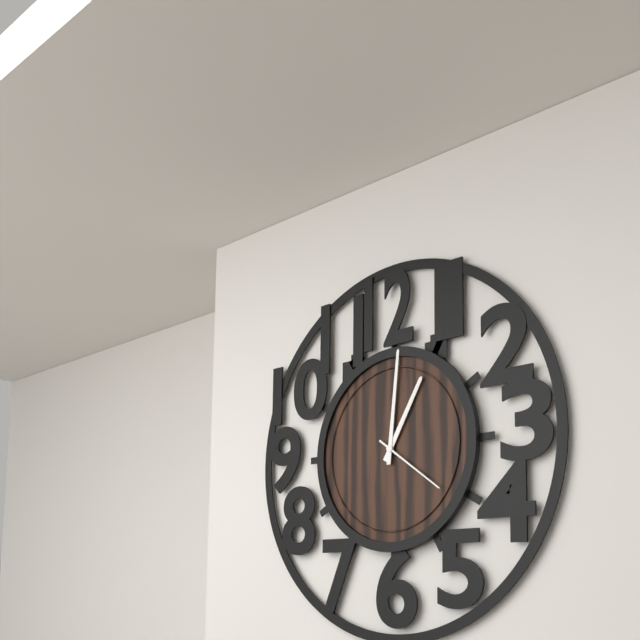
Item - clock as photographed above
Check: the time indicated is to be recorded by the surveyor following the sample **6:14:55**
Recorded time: **1:01:21**
